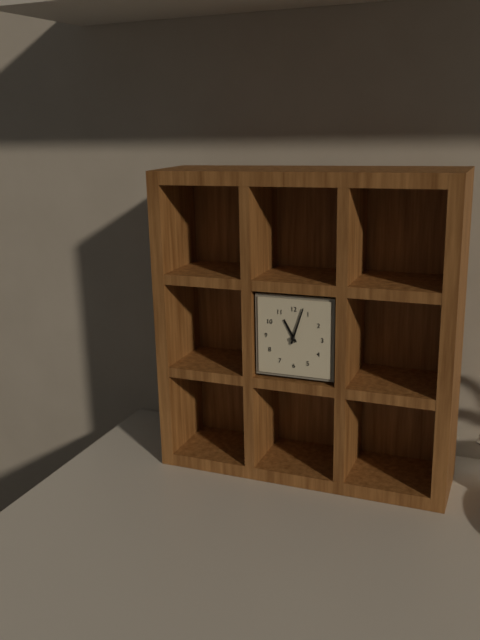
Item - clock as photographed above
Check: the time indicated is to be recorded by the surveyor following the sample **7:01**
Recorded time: **11:03**
